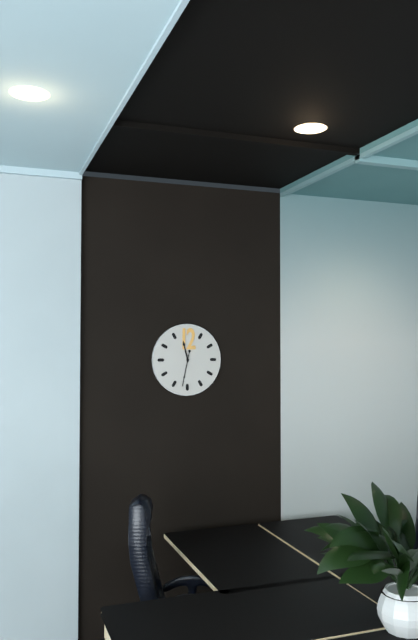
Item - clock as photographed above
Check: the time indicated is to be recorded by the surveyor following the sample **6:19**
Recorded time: **11:32**
